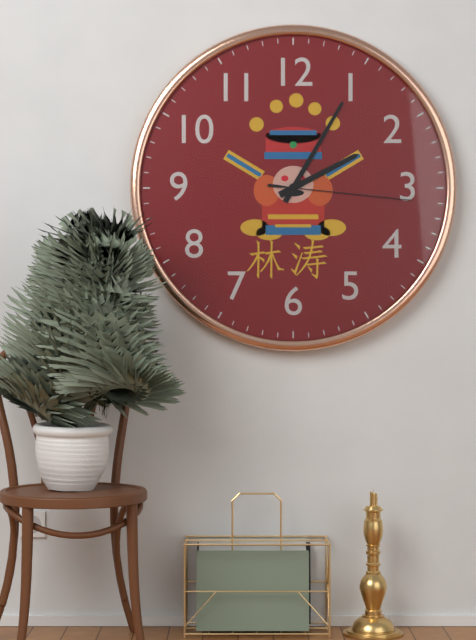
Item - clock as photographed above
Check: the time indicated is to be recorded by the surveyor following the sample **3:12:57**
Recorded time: **2:05:16**
